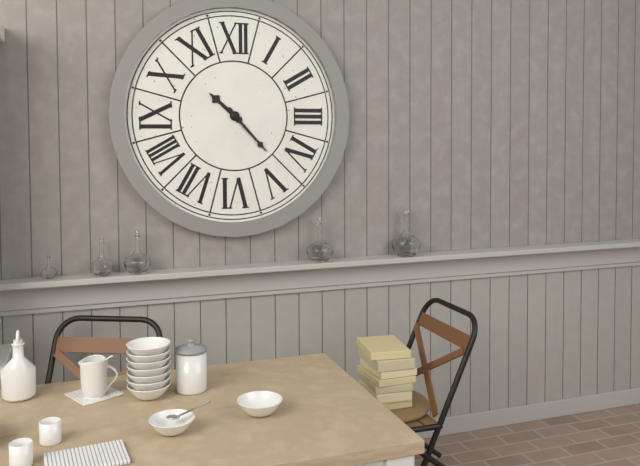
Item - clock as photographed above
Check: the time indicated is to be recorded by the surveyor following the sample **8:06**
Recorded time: **10:23**
